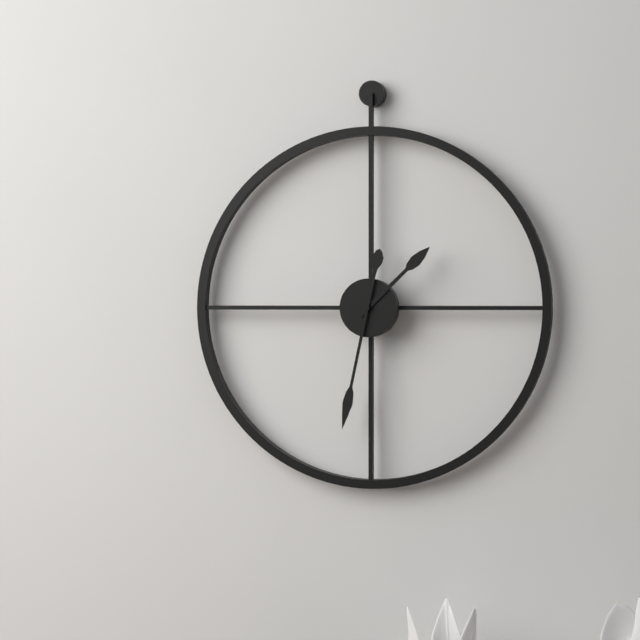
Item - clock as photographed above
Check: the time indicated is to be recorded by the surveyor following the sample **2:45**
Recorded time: **1:32**
